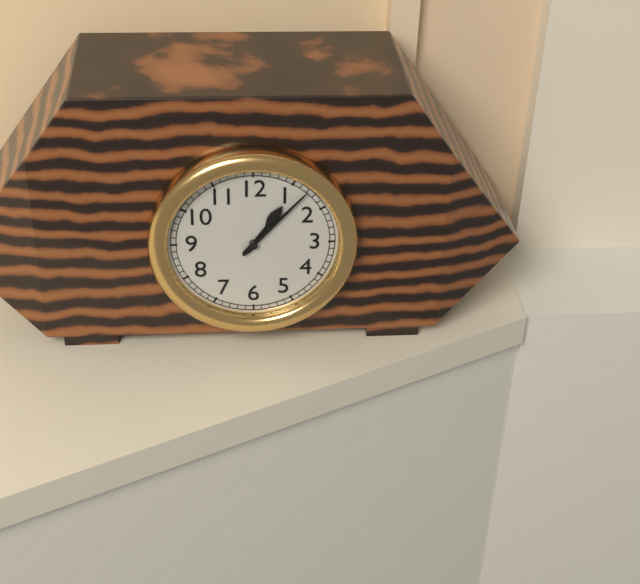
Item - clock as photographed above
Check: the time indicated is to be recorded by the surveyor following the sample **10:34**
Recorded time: **1:07**
